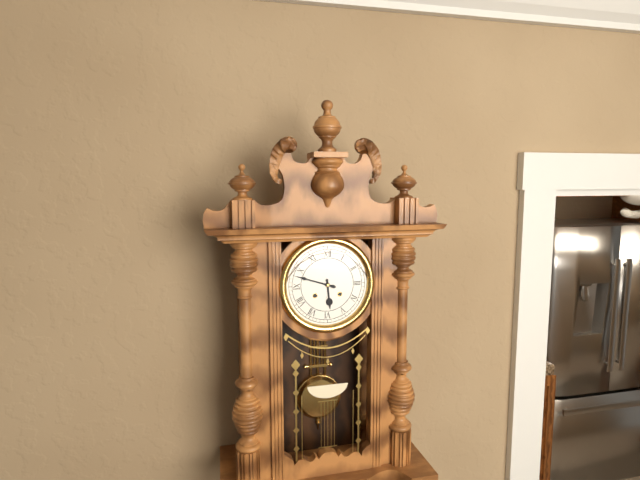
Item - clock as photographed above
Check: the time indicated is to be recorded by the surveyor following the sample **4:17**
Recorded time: **5:48**
